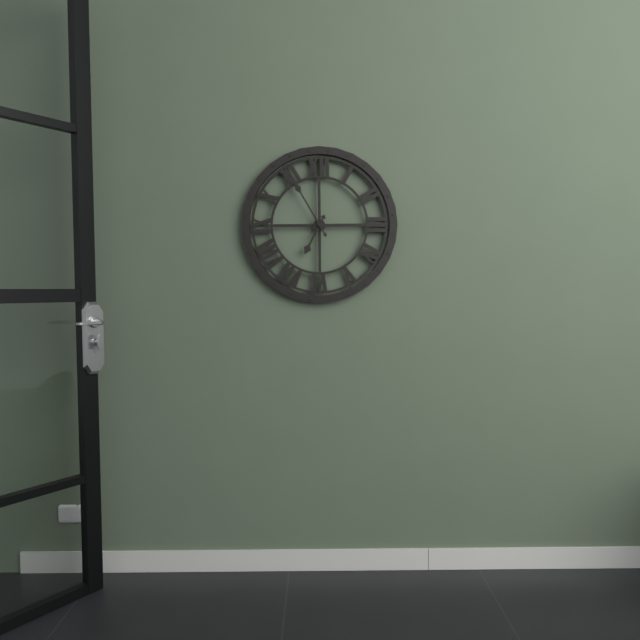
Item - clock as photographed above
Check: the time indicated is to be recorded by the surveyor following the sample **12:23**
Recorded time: **6:55**
